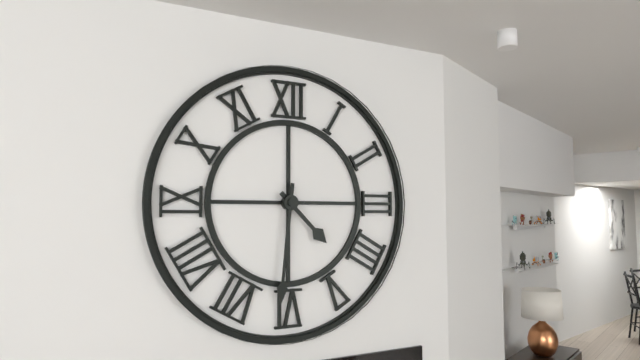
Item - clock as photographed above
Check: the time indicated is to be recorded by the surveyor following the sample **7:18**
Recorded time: **4:31**
